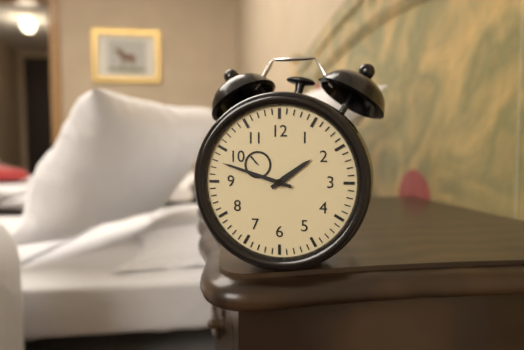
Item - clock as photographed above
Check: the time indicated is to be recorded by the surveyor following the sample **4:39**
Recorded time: **1:48**
